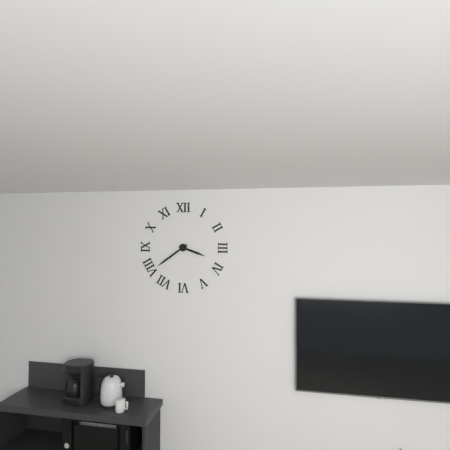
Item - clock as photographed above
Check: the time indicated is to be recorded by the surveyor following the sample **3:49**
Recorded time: **3:39**
